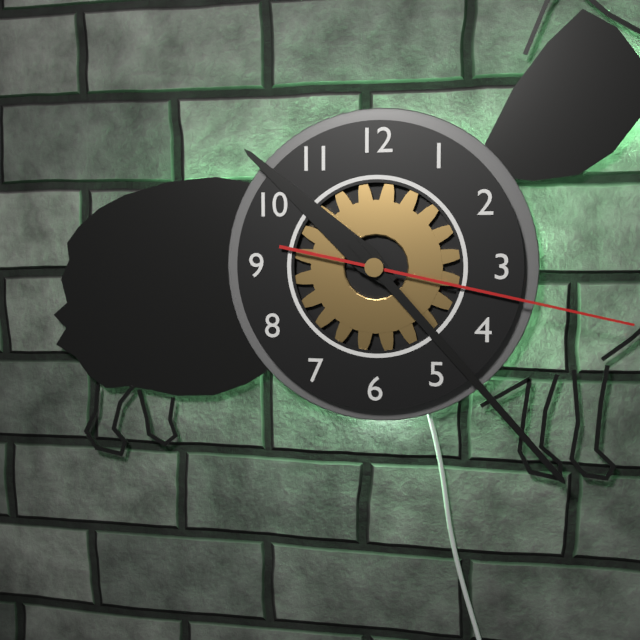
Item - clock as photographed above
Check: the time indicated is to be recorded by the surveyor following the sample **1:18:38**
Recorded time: **10:23:17**
